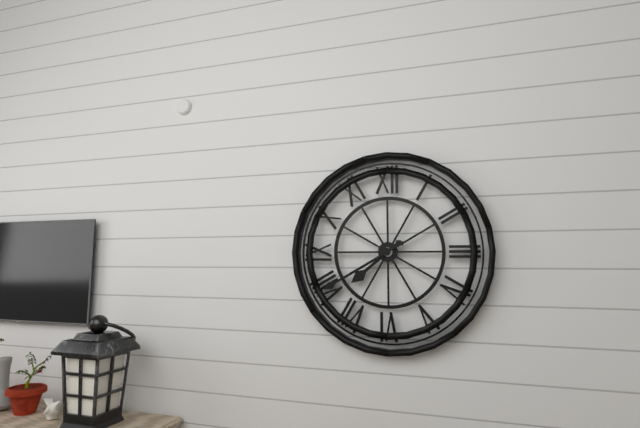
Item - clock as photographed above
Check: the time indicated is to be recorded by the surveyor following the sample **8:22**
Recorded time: **7:40**
